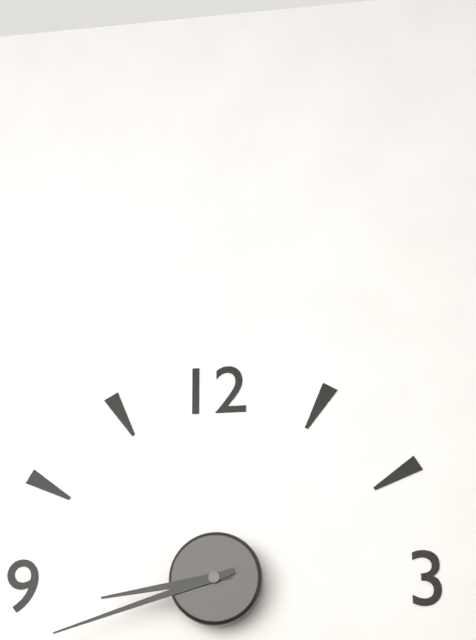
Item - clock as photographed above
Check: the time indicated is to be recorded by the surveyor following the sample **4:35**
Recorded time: **8:42**
